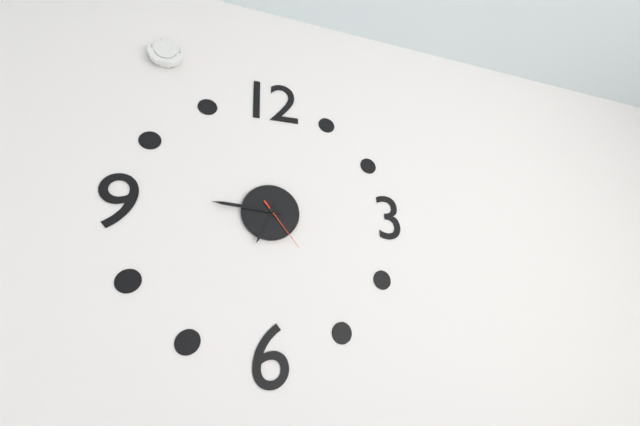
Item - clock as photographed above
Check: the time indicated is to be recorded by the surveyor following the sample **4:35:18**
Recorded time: **6:46:24**
